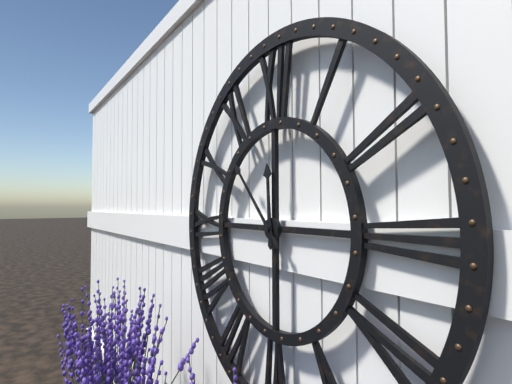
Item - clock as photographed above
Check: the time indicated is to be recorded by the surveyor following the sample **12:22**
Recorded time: **11:53**
